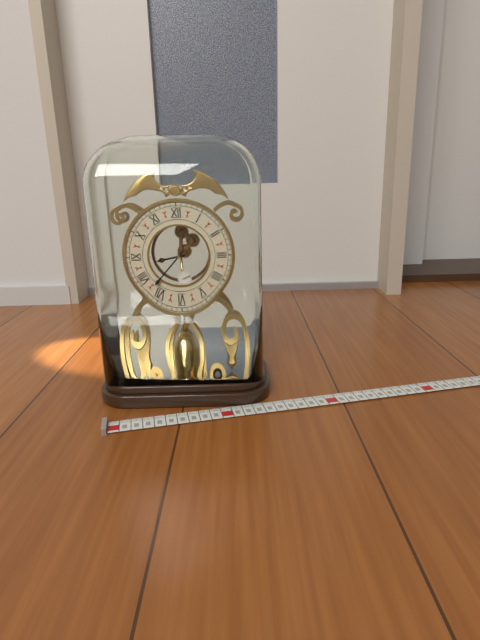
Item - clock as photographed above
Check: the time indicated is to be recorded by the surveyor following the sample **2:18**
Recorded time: **8:37**
